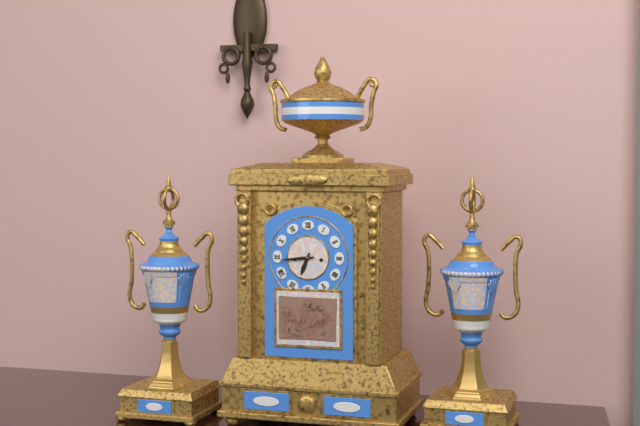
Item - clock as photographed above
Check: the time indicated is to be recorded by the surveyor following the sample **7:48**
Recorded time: **6:44**
